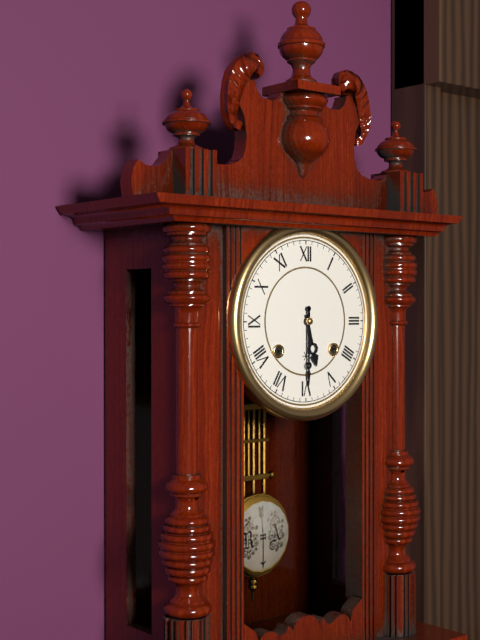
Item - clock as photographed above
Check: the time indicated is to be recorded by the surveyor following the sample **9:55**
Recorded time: **5:30**
